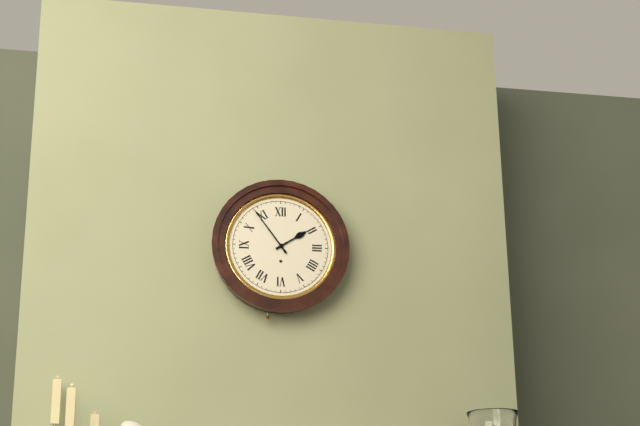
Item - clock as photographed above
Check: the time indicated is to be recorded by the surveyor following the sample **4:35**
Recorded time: **1:54**
